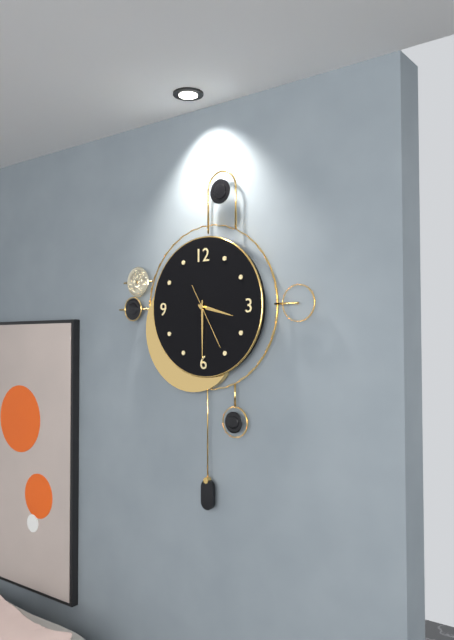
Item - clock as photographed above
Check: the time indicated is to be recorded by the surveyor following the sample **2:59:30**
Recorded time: **3:30:25**
